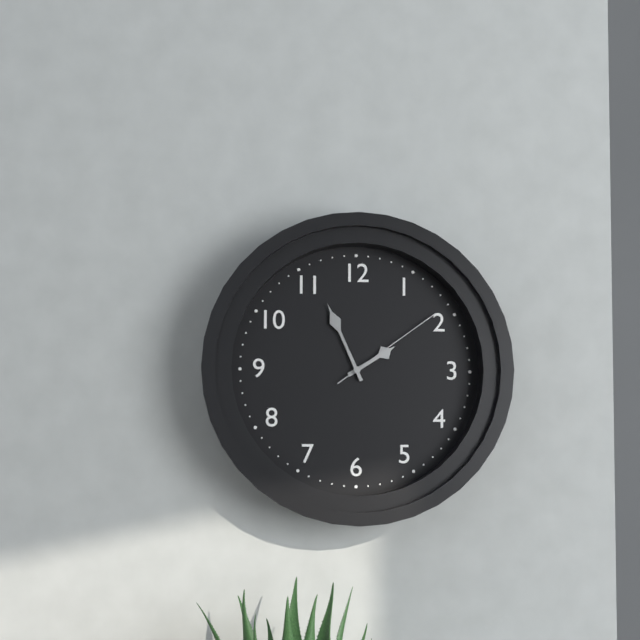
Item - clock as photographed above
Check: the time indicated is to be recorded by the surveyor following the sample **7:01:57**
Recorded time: **1:56:09**
